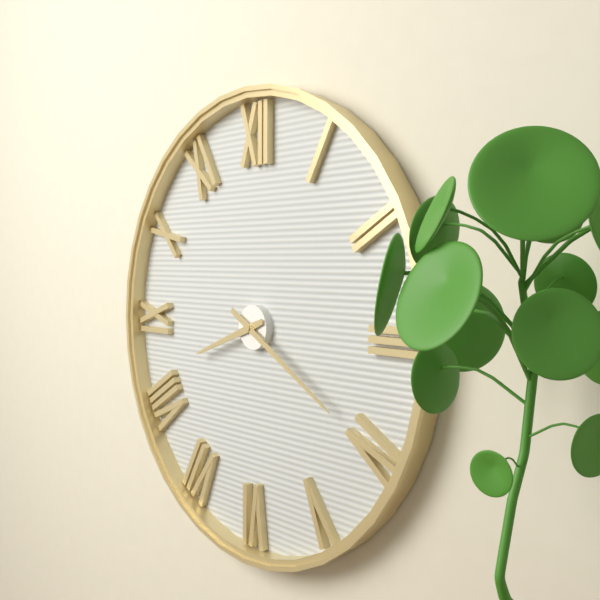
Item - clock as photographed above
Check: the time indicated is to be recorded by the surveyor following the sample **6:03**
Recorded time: **8:20**
